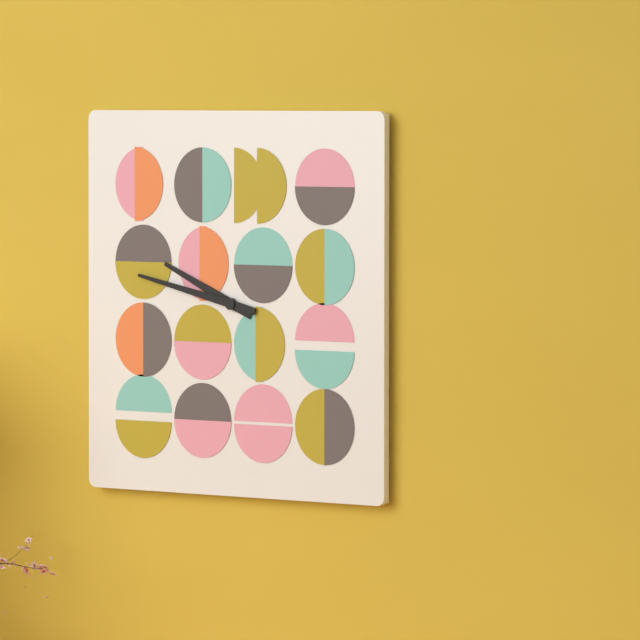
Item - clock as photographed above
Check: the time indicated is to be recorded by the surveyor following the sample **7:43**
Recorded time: **9:47**
